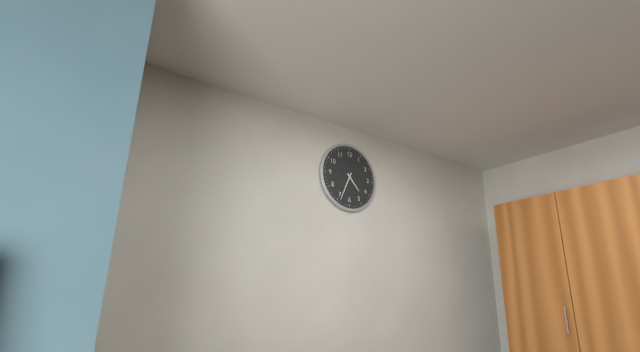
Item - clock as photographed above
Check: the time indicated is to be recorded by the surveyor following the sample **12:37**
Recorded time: **4:34**
